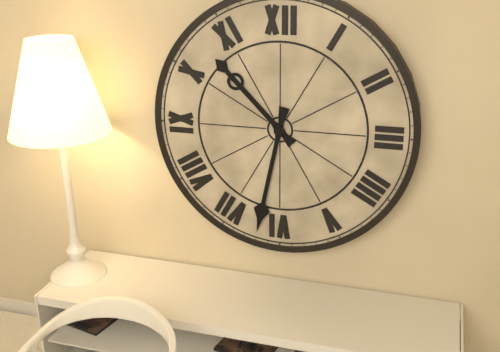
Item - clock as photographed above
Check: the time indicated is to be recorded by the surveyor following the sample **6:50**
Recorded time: **10:32**
